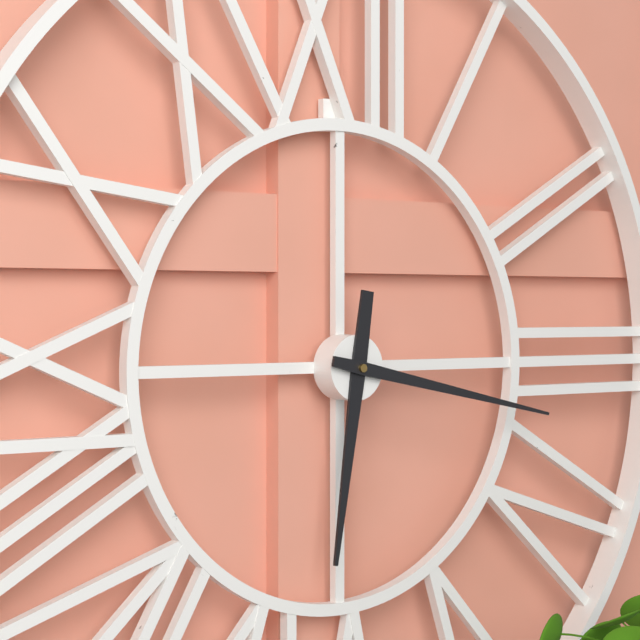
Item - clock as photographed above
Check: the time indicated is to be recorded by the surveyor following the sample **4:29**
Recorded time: **6:17**
